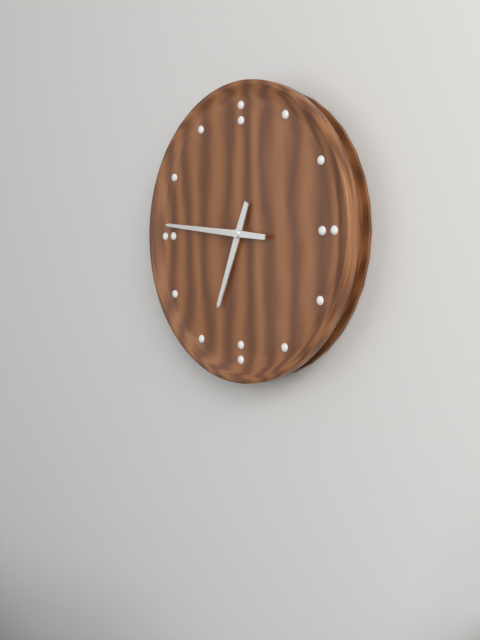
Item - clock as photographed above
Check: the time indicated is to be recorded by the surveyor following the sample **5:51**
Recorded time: **6:46**
